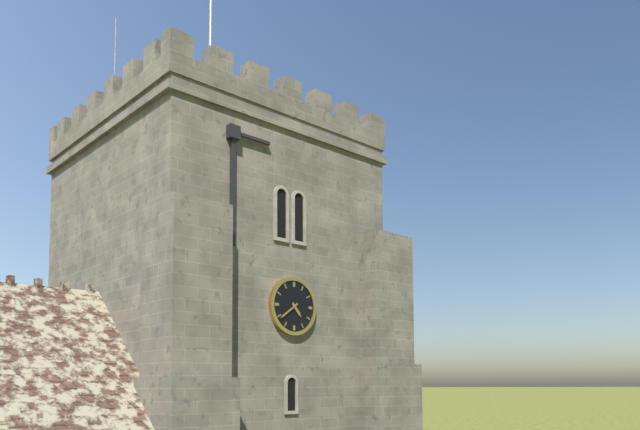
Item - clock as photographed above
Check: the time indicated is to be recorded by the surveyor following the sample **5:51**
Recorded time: **4:39**
